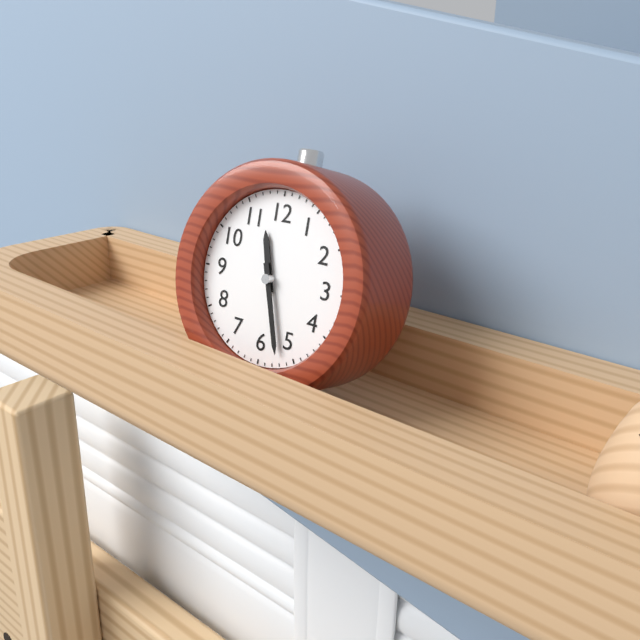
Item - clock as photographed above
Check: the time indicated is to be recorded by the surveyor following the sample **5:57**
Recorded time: **11:27**
